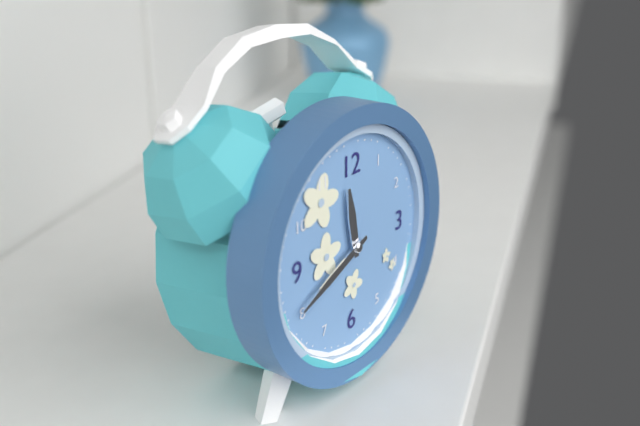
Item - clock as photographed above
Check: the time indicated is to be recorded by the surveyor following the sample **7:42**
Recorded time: **11:41**
